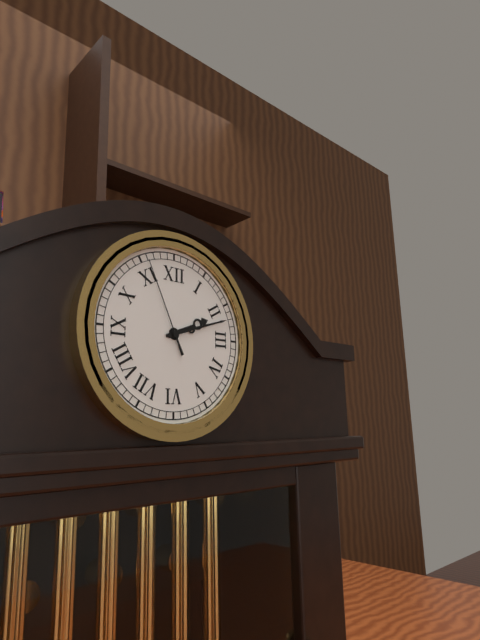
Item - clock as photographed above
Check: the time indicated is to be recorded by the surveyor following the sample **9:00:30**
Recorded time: **2:12:56**
